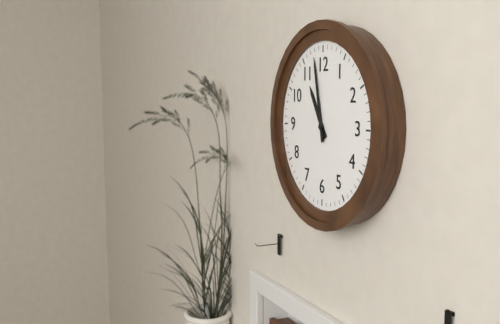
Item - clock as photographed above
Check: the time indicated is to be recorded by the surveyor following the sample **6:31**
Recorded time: **10:58**
